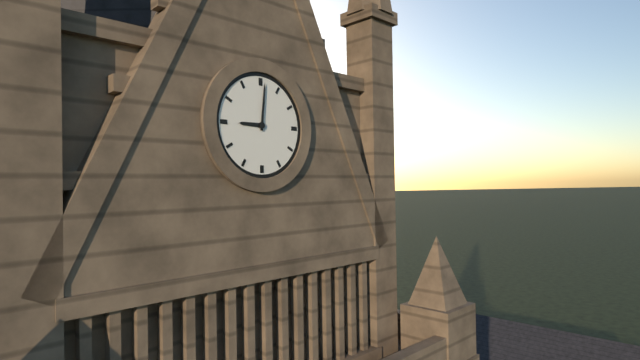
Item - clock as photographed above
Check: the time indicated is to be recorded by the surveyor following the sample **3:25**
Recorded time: **9:01**
